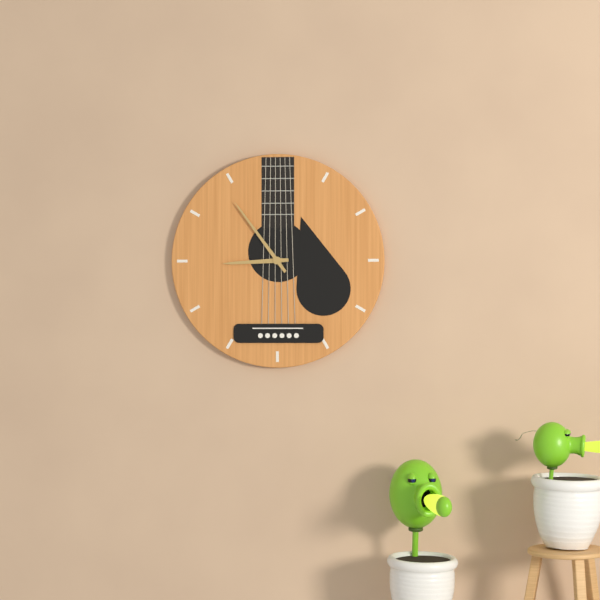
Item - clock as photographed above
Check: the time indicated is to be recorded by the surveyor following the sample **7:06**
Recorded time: **8:54**
